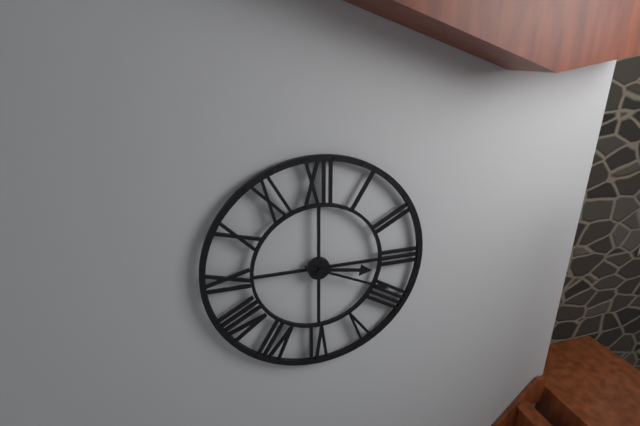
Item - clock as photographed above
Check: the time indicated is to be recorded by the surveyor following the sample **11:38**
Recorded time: **3:19**
